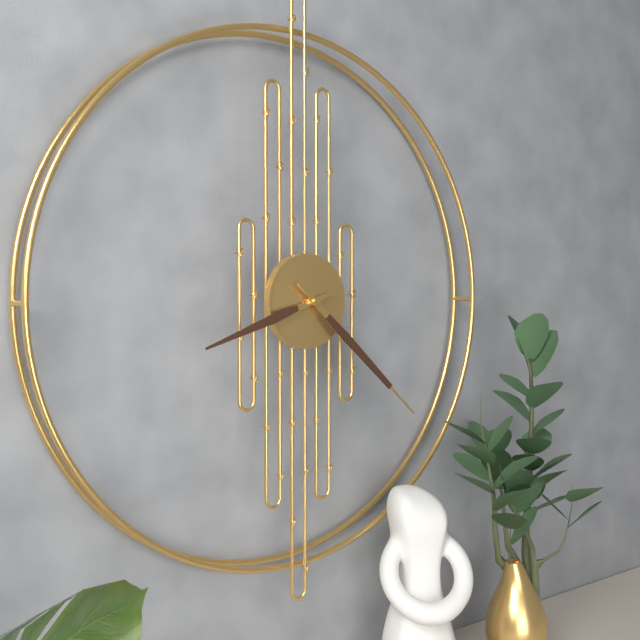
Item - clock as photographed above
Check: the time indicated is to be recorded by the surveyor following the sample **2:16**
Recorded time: **8:22**
